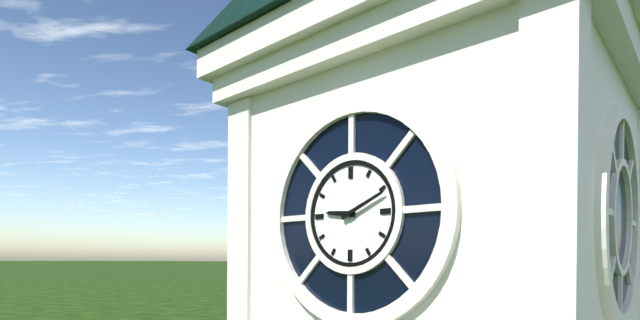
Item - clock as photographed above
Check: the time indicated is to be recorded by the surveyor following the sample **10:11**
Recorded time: **9:11**
